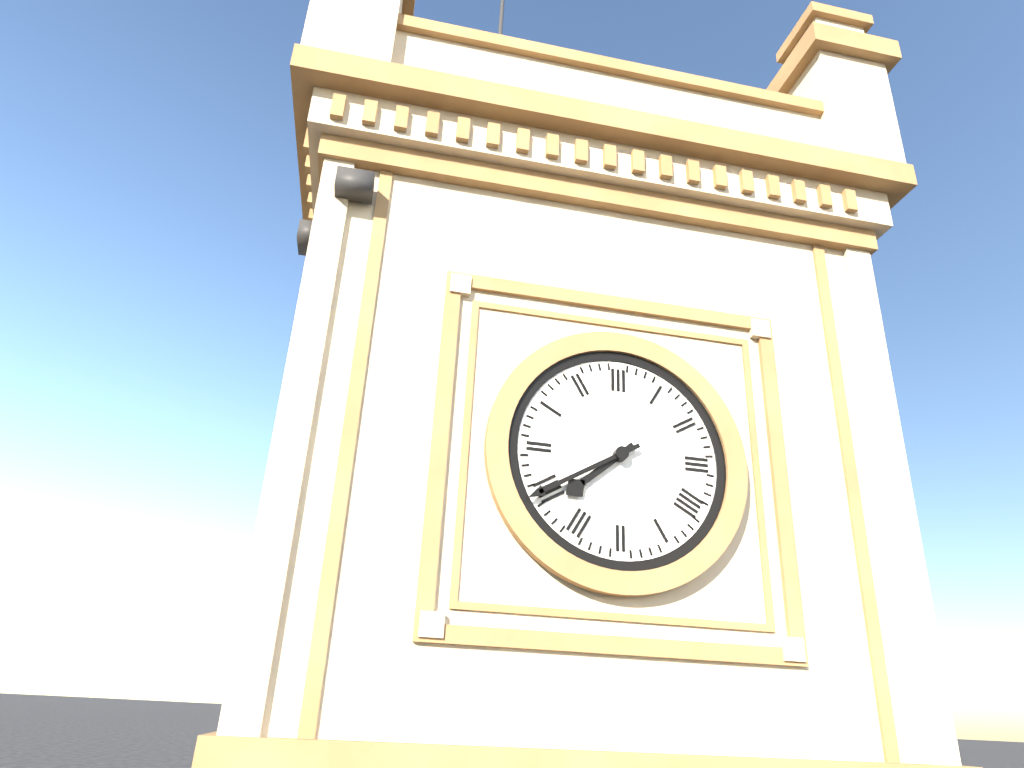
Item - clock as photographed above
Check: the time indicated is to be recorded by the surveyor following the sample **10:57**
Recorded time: **7:40**
